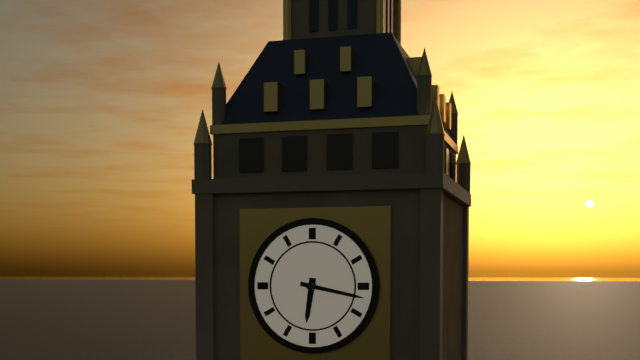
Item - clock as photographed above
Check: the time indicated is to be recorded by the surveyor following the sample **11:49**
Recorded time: **6:17**
